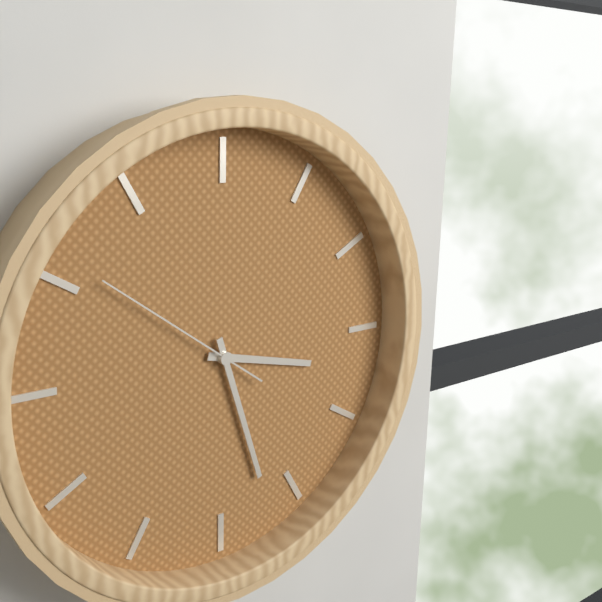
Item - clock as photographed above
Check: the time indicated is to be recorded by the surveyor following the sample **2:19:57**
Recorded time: **3:27:51**
